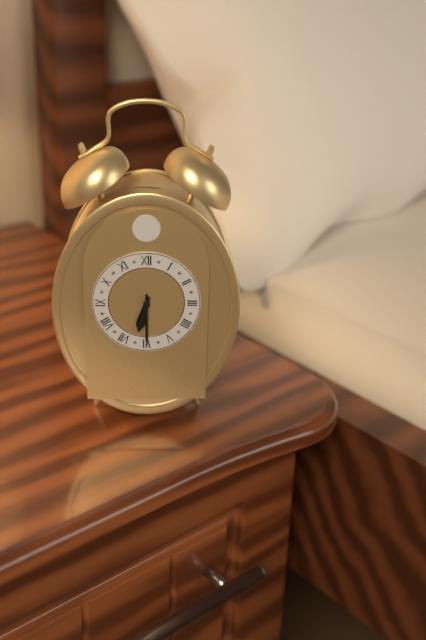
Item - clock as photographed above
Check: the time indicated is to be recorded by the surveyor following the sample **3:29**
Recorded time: **6:30**
